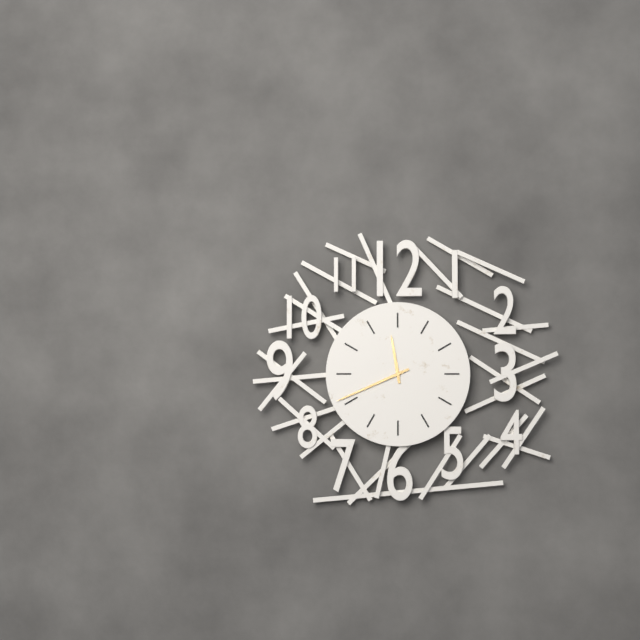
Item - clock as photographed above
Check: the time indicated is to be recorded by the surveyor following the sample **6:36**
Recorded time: **11:41**
